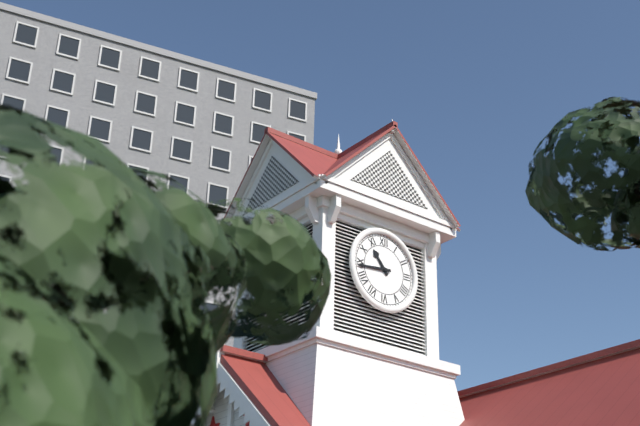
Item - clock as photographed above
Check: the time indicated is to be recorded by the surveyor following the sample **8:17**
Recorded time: **10:44**
